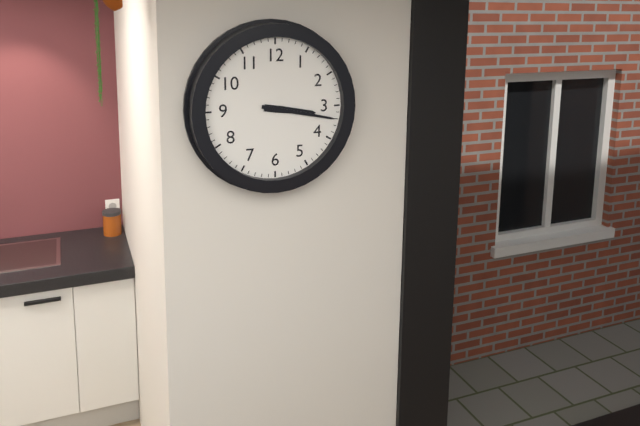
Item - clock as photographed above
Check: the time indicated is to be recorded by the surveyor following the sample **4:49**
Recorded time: **3:17**
